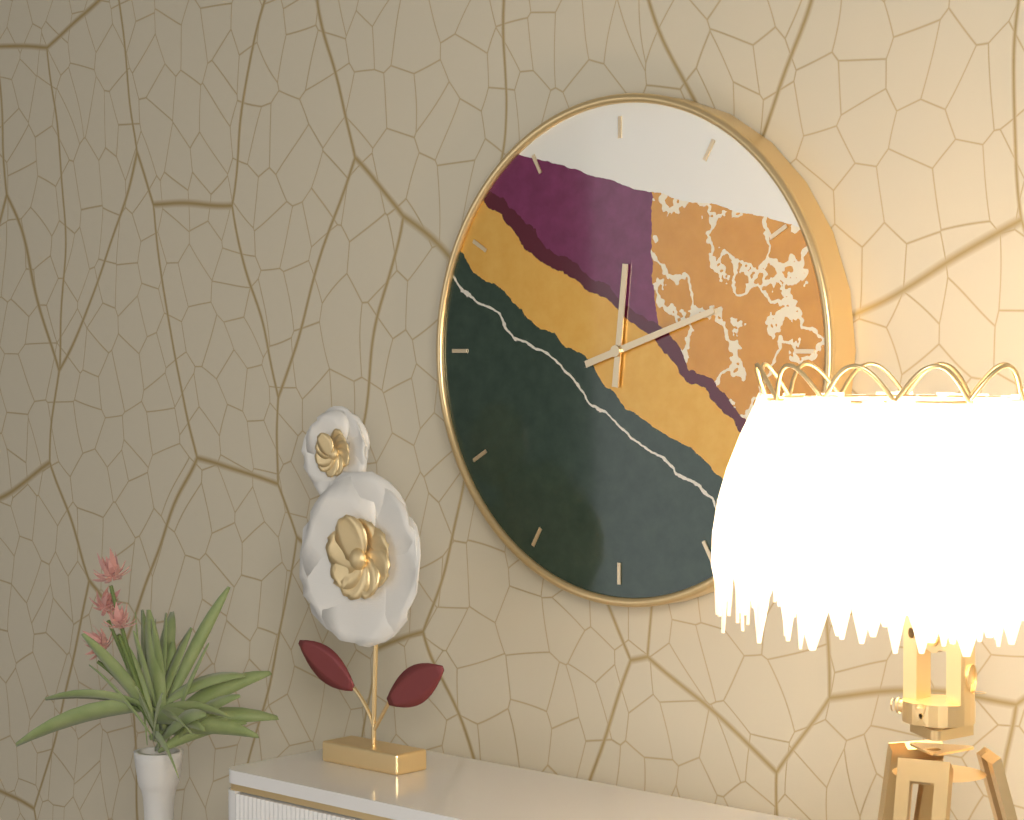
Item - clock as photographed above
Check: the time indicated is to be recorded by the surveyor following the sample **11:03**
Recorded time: **12:12**
